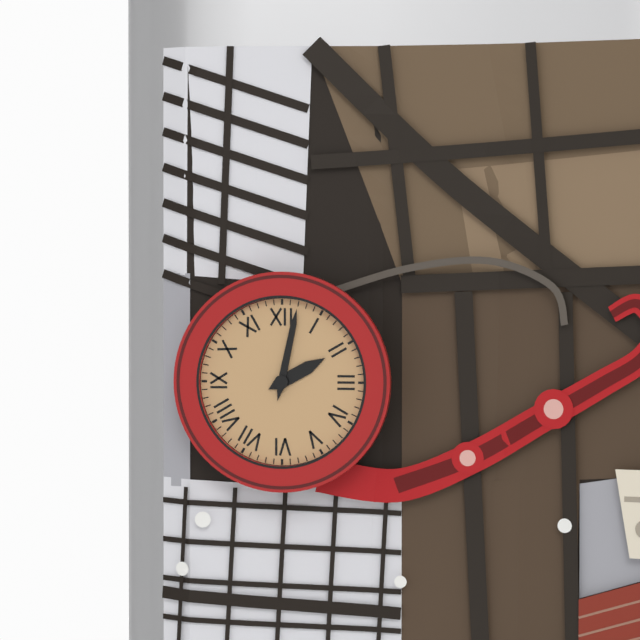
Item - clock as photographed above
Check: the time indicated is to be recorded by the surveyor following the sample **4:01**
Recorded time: **2:02**
